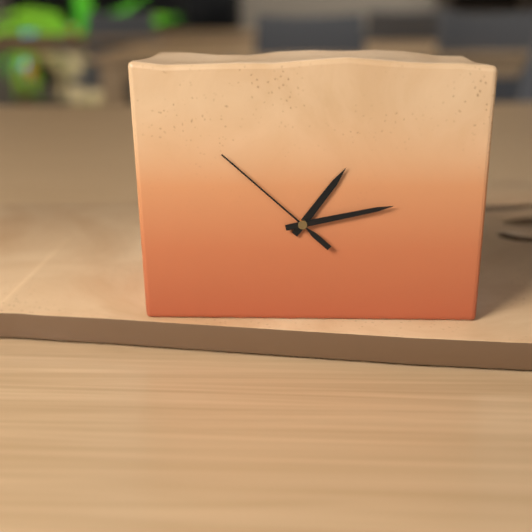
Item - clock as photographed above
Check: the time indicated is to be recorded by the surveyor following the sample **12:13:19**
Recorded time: **1:13:52**
